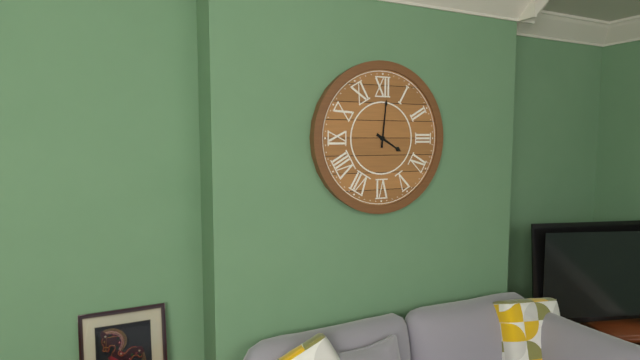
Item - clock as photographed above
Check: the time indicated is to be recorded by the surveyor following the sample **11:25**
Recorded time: **4:01**
